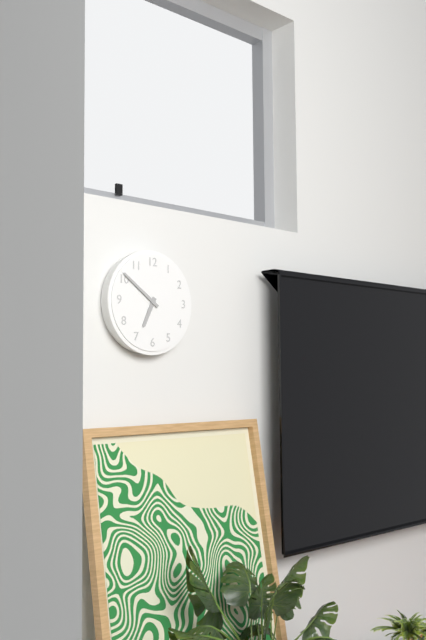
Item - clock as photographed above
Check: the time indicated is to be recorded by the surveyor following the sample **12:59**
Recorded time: **6:51**
